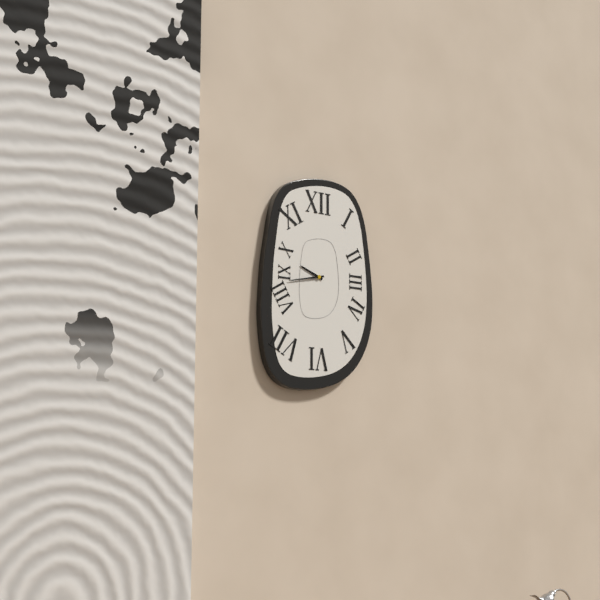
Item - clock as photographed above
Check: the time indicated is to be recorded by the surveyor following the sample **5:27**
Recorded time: **9:43**
